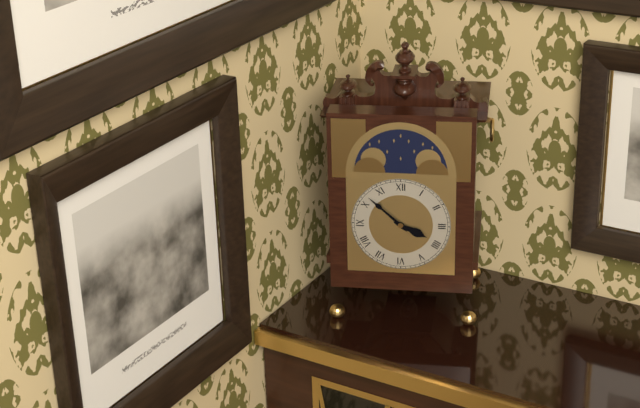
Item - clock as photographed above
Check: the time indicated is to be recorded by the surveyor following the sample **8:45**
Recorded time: **3:52**
